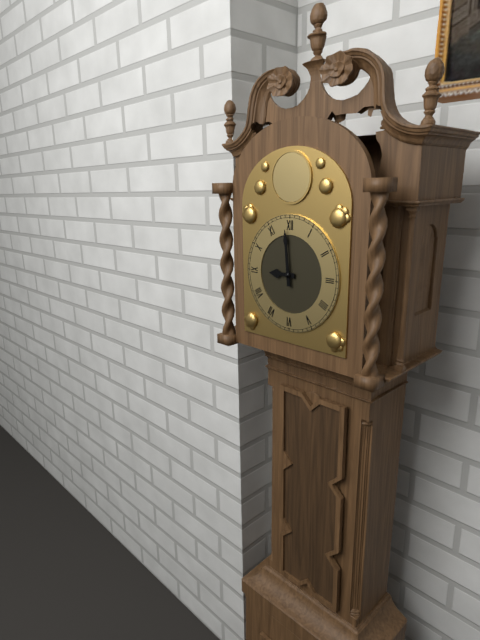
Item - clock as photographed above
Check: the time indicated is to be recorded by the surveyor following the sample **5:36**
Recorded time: **8:59**
